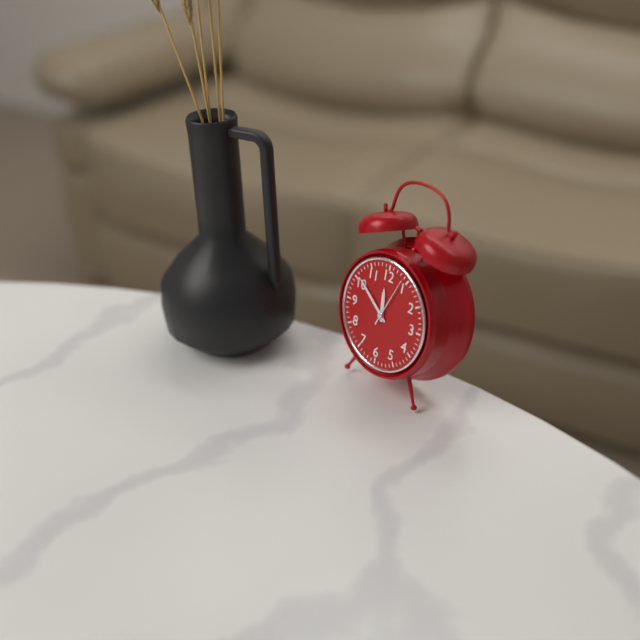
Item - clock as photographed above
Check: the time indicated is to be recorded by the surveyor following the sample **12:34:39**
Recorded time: **11:51:04**
